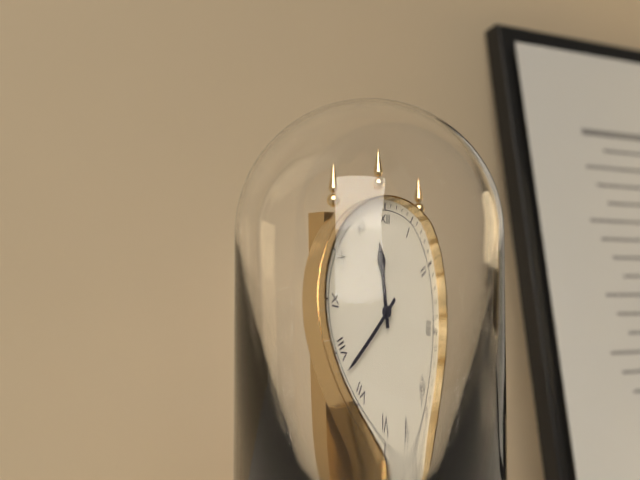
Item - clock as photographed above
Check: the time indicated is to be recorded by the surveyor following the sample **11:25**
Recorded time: **11:38**
